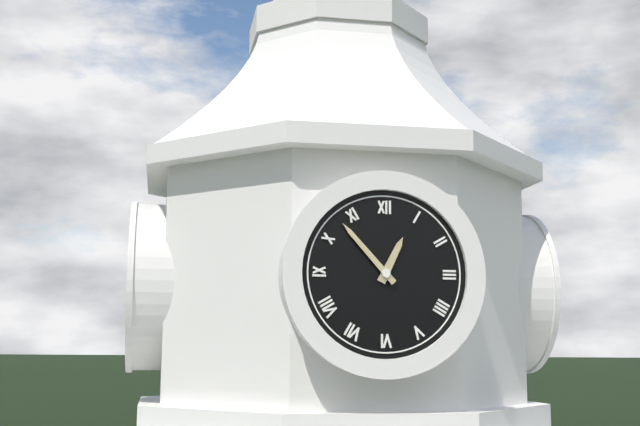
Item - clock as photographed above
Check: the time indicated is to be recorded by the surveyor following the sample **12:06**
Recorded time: **12:53**
